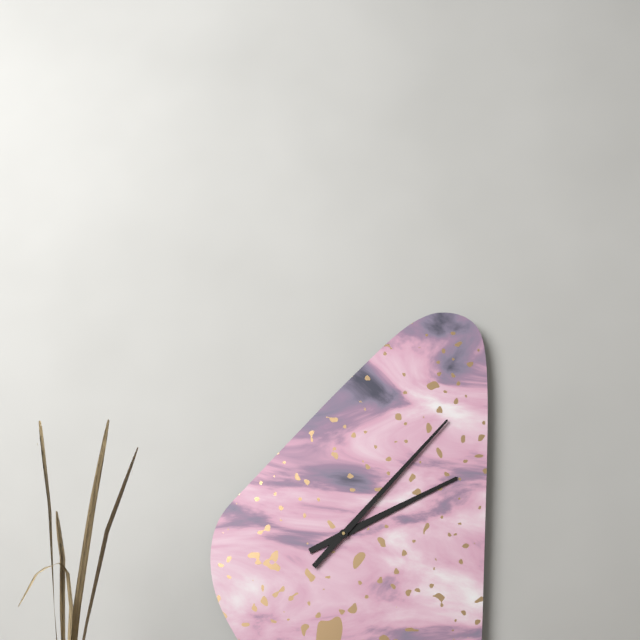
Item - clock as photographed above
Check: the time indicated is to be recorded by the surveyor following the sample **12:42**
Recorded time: **2:07**
